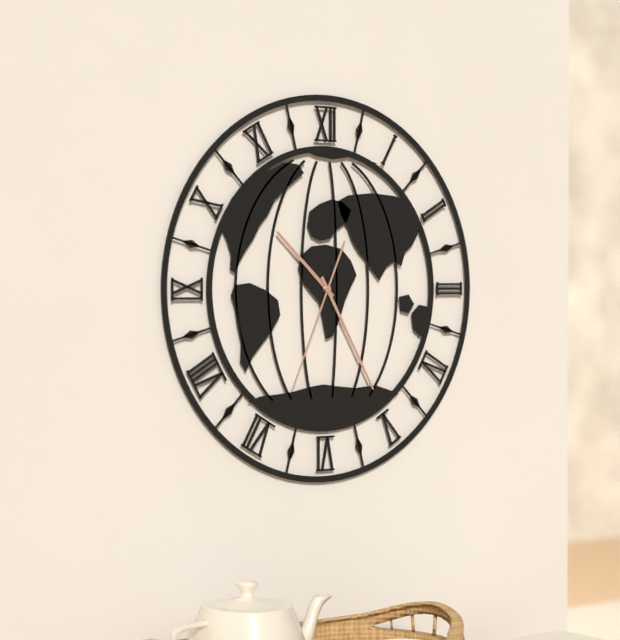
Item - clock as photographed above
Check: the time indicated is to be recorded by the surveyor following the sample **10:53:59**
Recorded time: **10:25:34**
